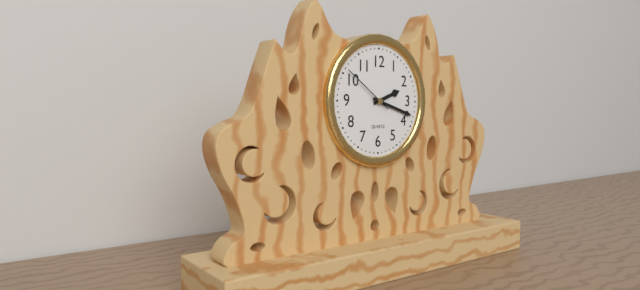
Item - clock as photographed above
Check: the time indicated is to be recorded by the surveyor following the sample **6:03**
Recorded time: **2:18**
